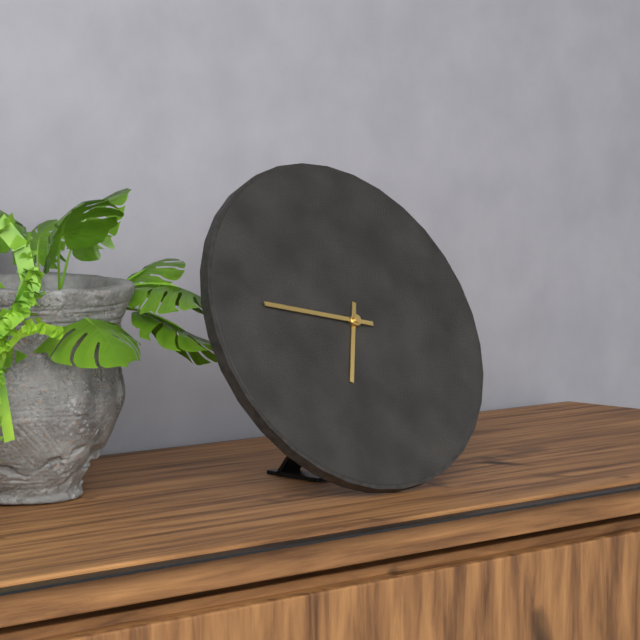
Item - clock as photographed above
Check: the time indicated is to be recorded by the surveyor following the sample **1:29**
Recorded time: **6:47**
